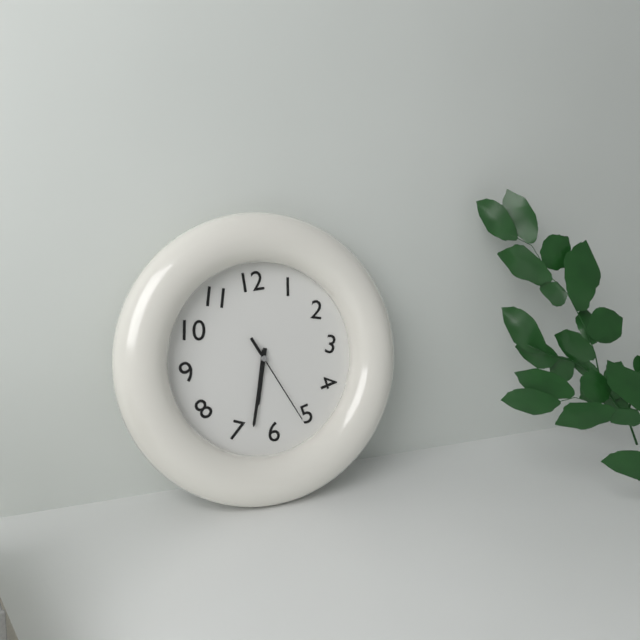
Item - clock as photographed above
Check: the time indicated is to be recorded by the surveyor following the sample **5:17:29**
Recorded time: **6:33:26**
